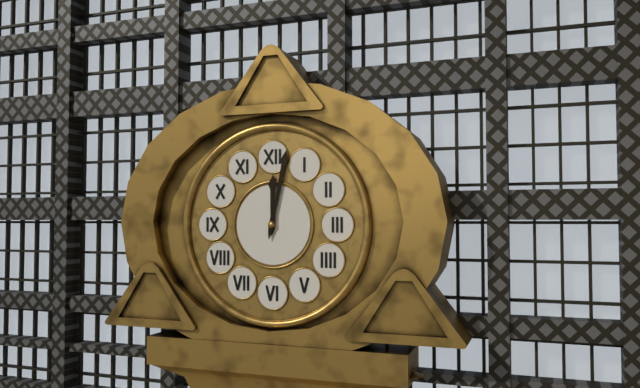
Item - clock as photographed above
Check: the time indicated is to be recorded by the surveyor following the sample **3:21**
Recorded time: **12:02**
